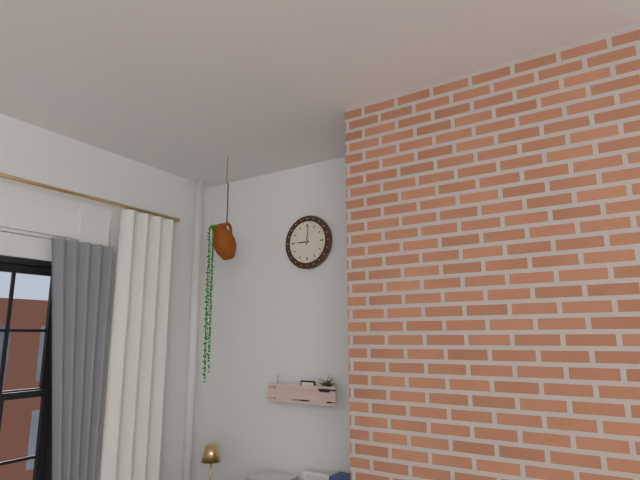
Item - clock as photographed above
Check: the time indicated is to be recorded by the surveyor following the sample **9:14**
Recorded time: **9:01**
